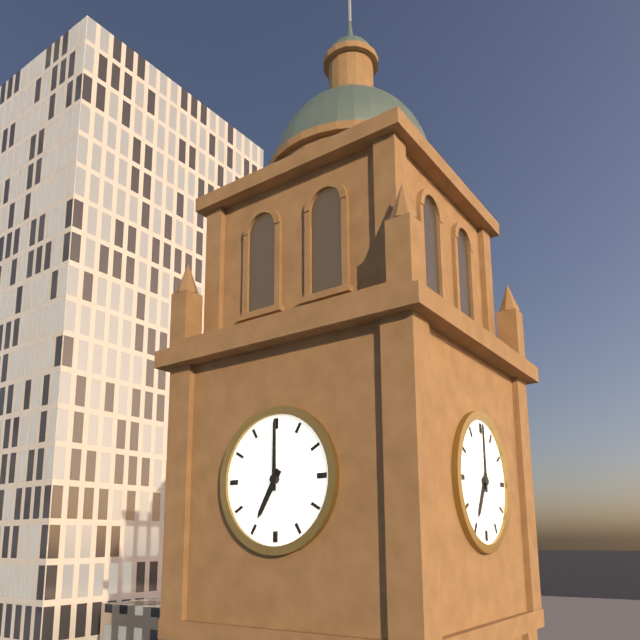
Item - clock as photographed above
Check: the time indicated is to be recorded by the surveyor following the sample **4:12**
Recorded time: **7:00**
